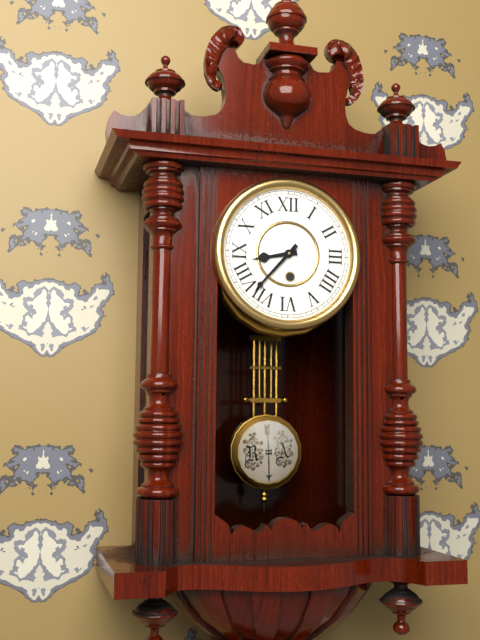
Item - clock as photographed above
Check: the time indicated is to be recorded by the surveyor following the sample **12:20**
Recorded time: **8:37**
